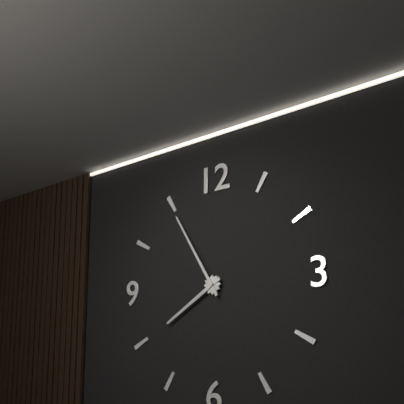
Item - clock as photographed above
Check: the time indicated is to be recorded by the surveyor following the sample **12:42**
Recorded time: **7:55**
